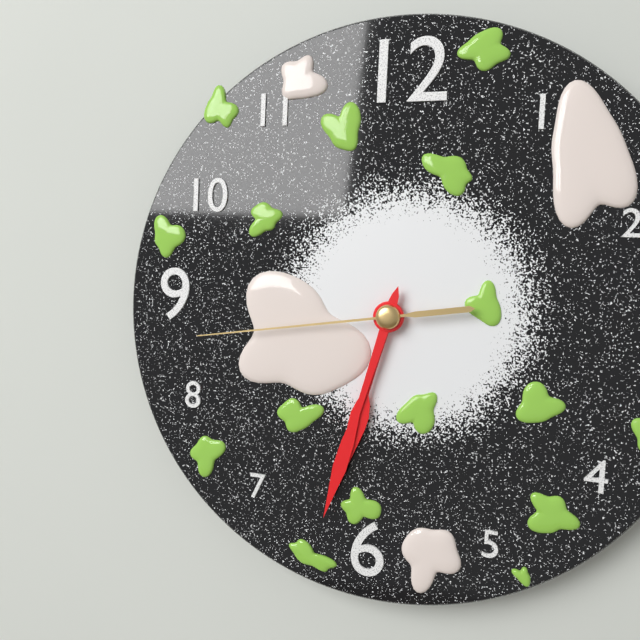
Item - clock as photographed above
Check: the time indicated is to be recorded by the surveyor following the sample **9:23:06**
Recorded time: **6:33:44**
